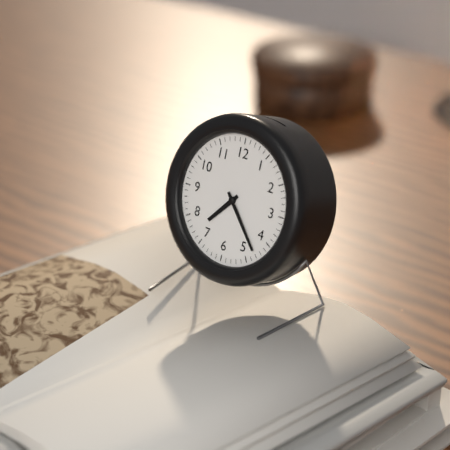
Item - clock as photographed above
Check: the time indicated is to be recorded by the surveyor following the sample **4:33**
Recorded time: **7:23**
